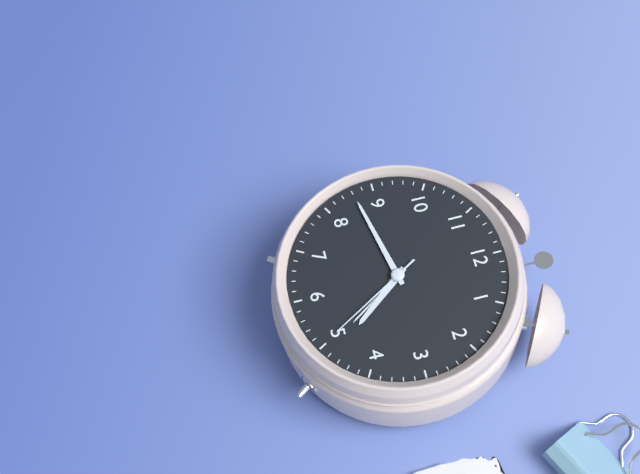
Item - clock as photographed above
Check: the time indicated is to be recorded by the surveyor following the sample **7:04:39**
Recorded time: **4:43:25**
